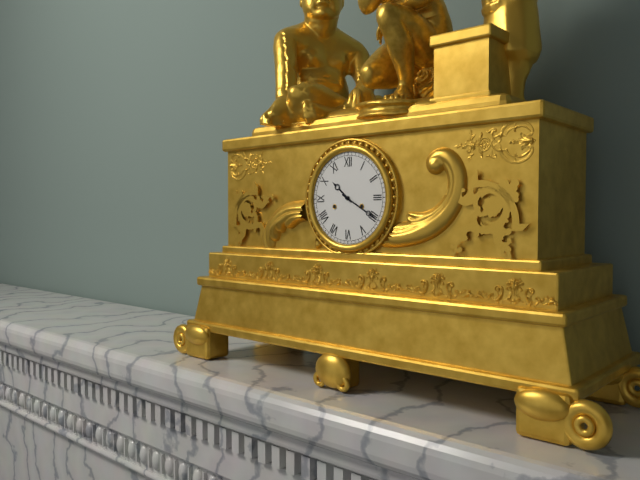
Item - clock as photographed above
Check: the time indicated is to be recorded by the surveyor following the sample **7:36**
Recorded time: **10:20**
